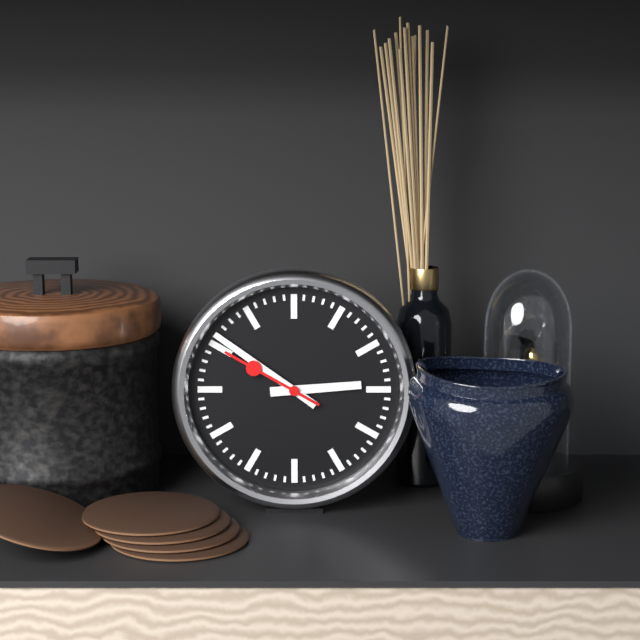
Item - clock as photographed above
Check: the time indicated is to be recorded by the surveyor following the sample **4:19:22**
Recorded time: **2:51:50**
